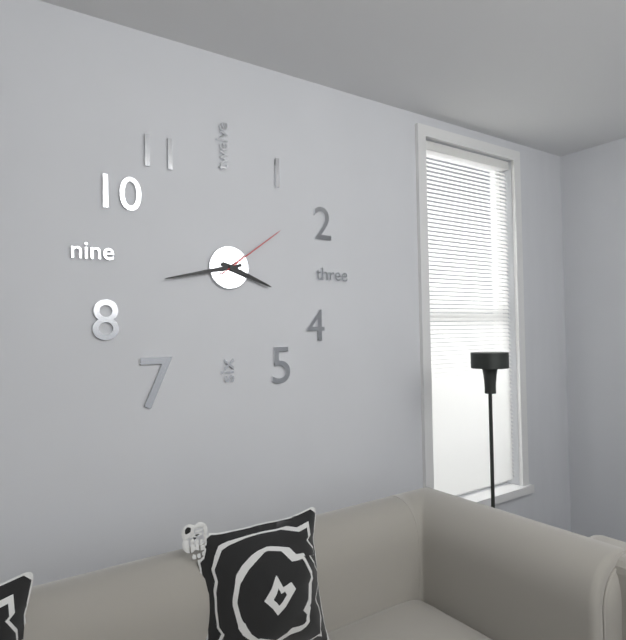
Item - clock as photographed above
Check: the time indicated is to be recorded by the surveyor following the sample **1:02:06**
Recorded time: **3:43:09**
